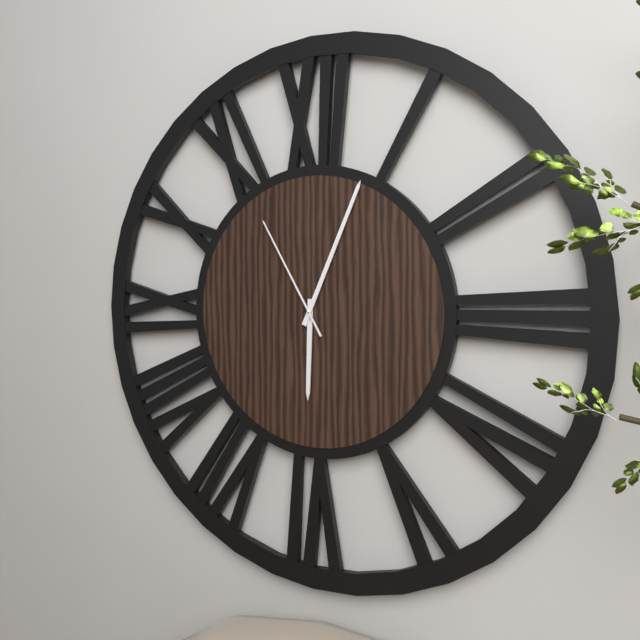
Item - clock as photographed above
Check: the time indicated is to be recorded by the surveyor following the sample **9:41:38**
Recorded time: **6:04:55**
